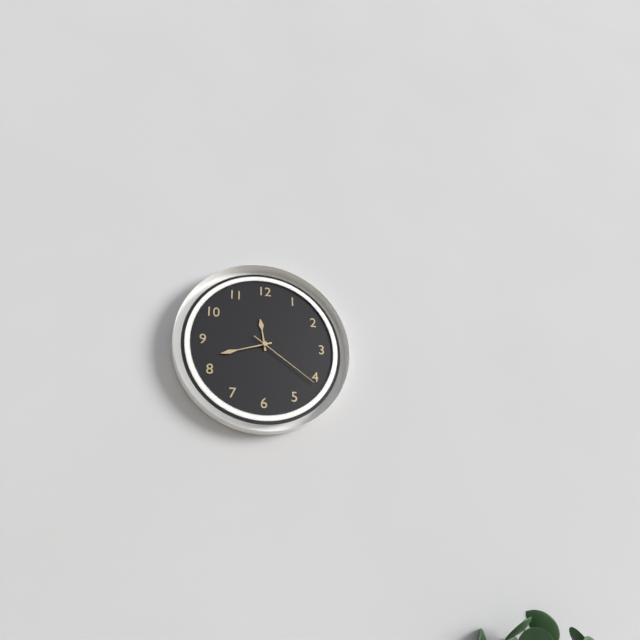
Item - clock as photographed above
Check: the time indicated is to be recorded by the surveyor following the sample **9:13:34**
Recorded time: **11:42:21**
